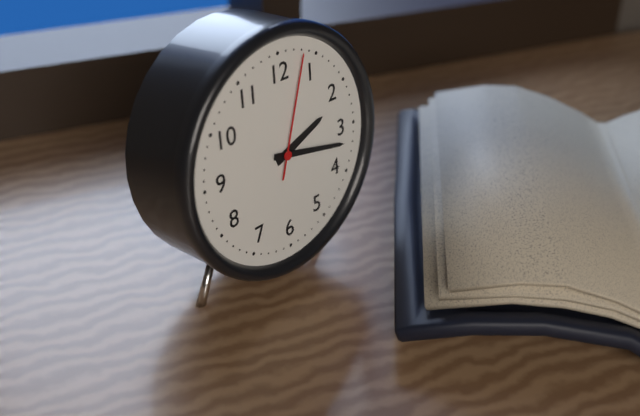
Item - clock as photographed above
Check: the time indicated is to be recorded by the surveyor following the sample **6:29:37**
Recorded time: **2:17:03**
